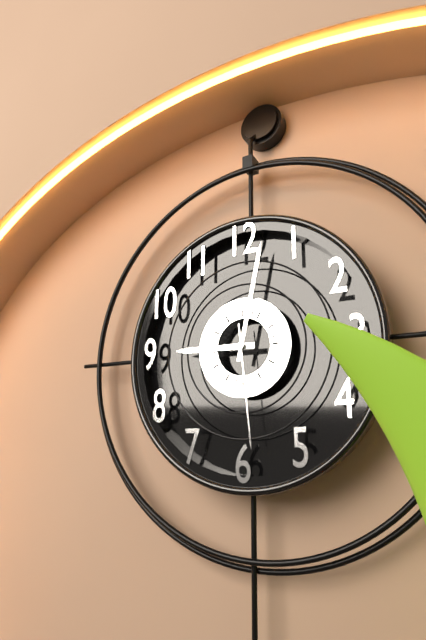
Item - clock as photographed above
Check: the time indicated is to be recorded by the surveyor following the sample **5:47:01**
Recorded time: **9:02:29**
